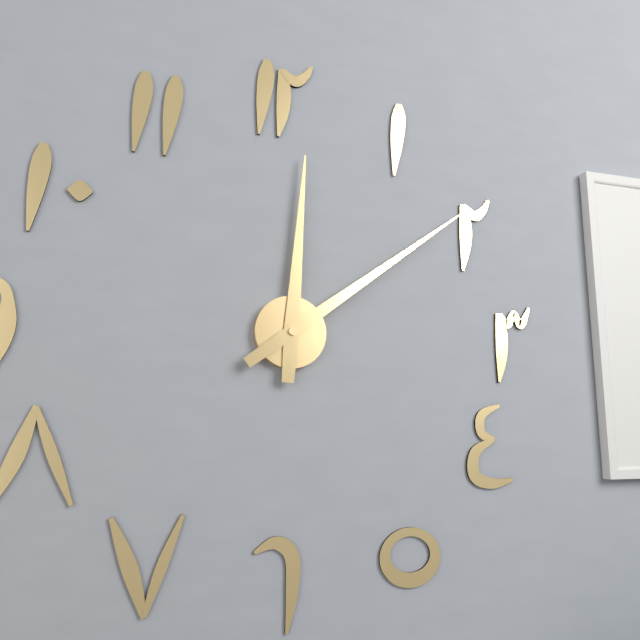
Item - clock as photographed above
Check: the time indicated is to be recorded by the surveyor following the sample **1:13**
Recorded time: **12:09**
